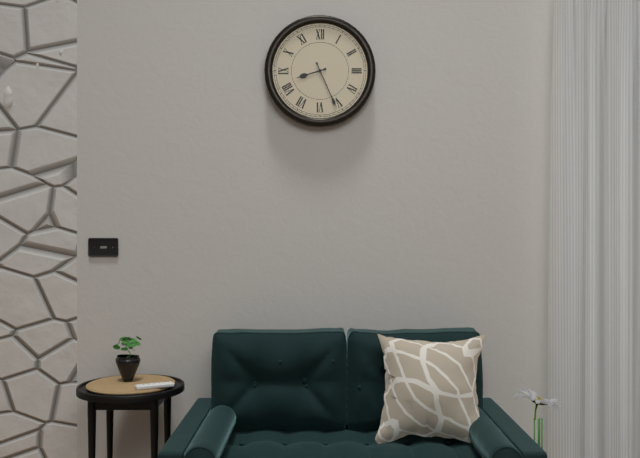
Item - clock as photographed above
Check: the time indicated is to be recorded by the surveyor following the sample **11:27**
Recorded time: **8:26**
